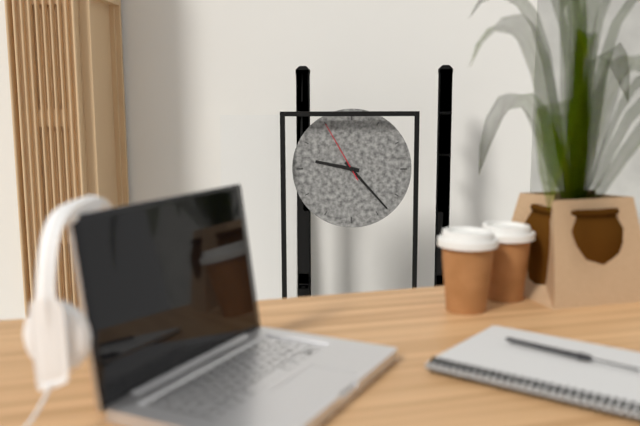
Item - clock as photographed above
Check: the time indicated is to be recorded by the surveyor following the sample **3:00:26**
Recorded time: **9:23:55**
